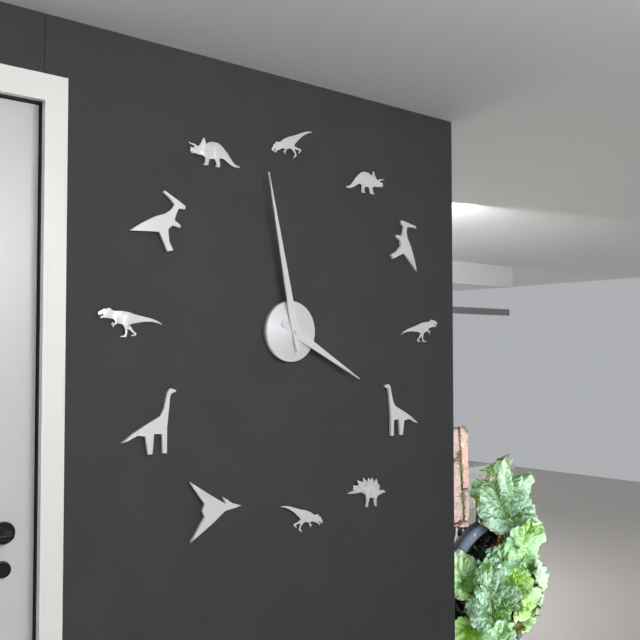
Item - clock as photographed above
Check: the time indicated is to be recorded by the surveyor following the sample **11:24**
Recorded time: **3:58**
